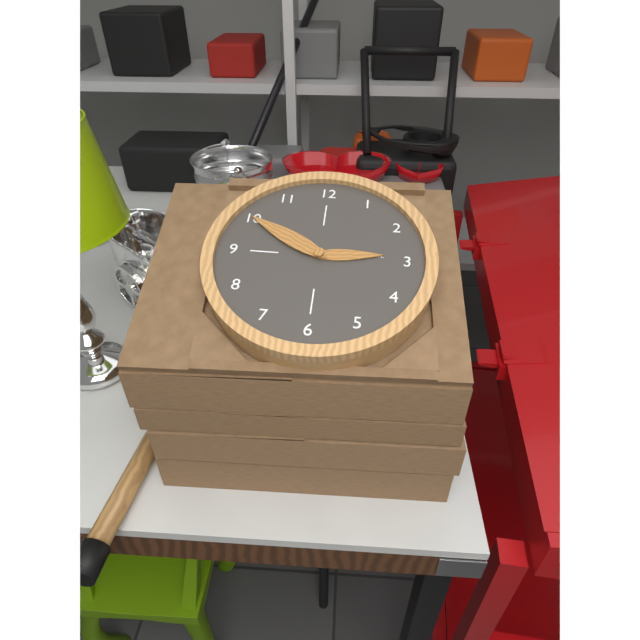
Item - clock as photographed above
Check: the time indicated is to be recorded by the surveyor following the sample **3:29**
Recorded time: **2:50**
